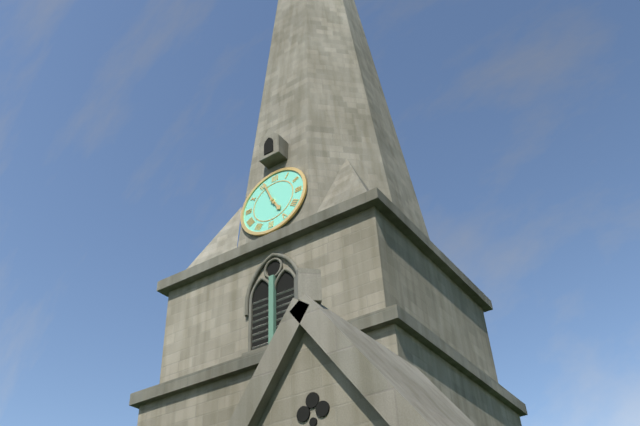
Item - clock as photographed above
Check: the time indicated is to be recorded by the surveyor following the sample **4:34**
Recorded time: **4:56**
